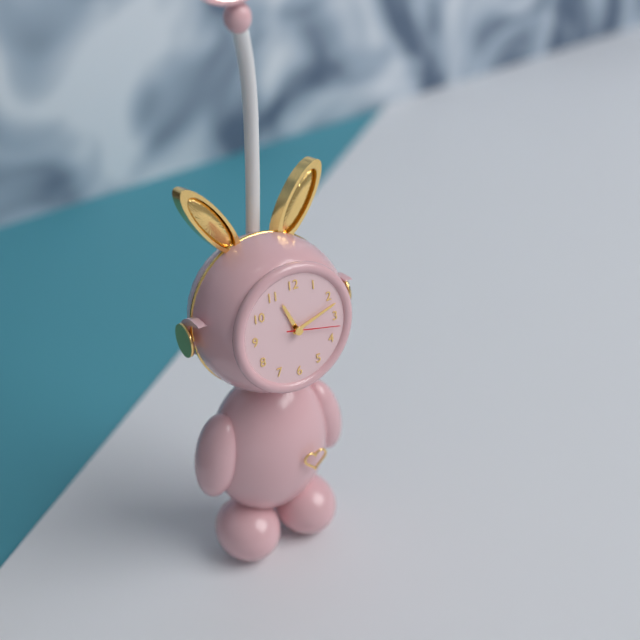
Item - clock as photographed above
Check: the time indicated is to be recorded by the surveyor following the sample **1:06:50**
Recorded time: **11:12:17**
